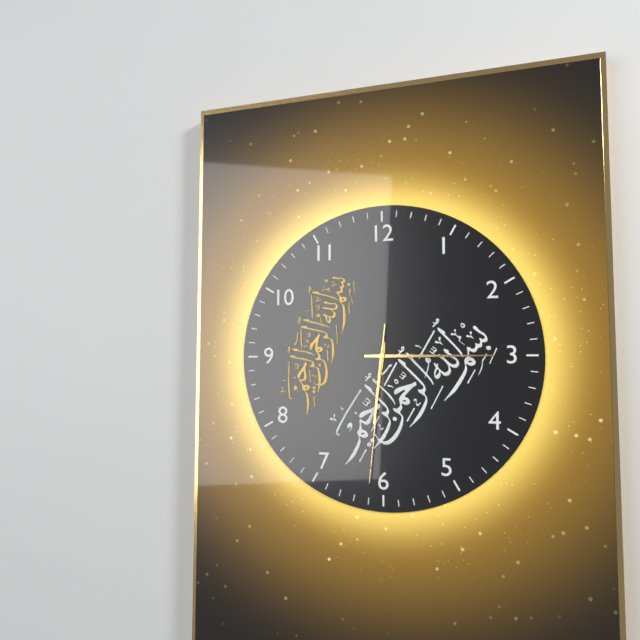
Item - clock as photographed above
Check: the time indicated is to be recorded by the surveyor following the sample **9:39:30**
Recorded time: **6:15:31**
